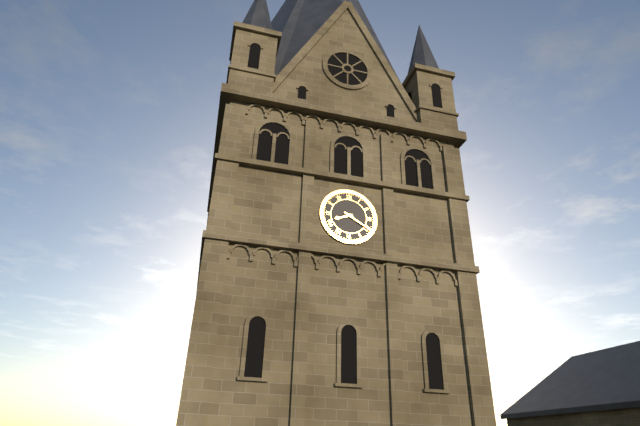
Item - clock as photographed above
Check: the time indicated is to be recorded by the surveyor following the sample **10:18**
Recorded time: **8:20**
